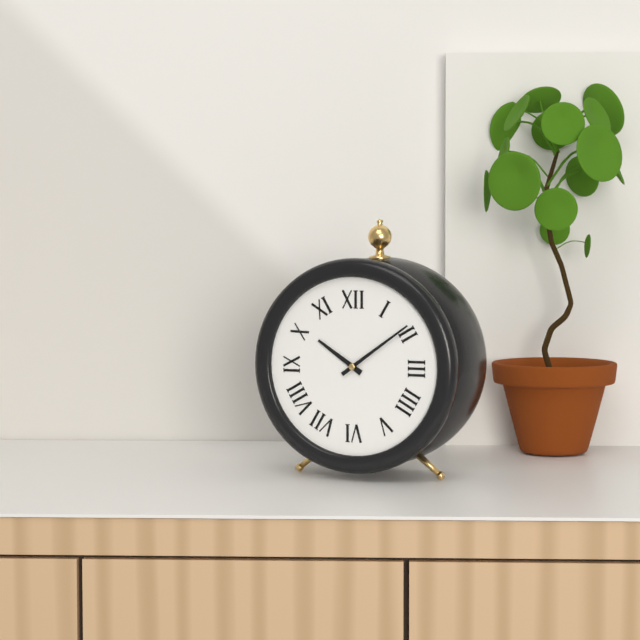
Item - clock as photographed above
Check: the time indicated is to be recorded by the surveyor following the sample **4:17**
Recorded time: **10:09**
